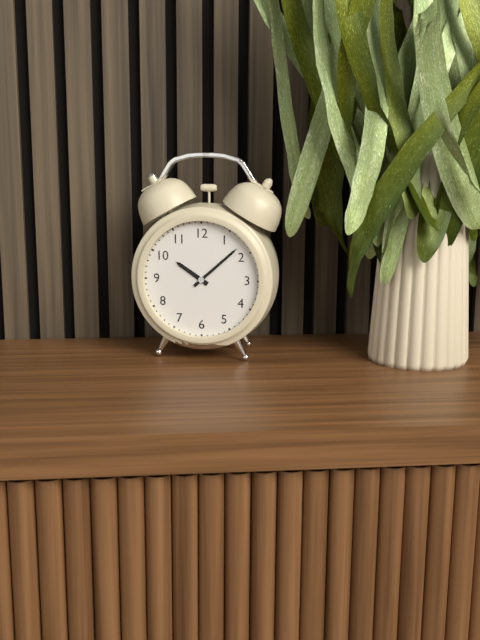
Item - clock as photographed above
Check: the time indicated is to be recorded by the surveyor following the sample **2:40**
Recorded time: **10:08**
